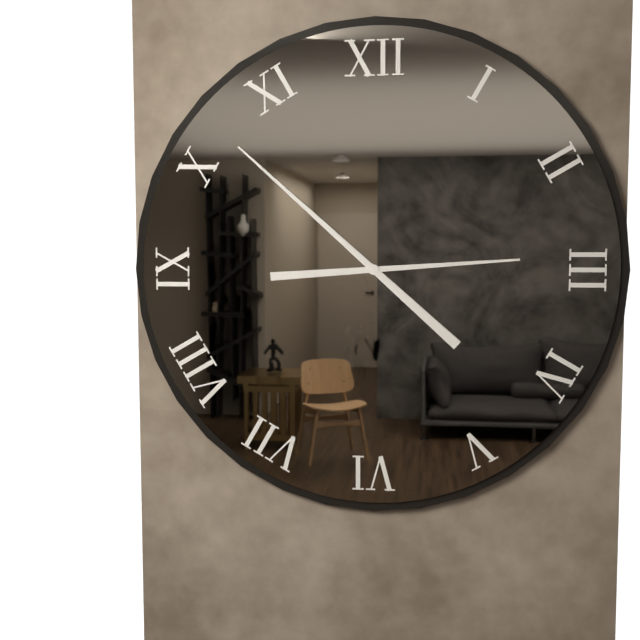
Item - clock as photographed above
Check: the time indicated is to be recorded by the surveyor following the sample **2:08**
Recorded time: **2:52**
